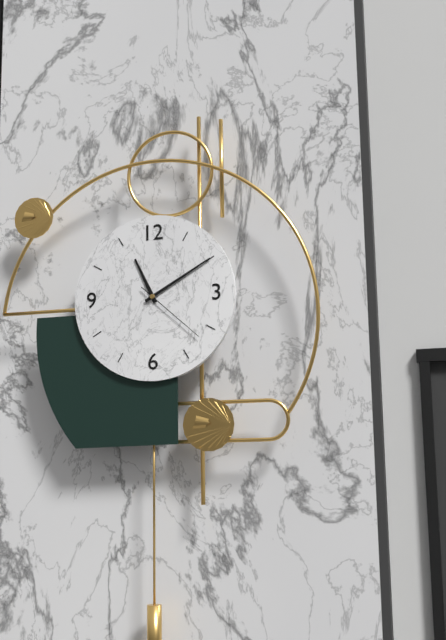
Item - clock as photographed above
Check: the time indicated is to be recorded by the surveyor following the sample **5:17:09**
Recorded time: **11:10:22**
